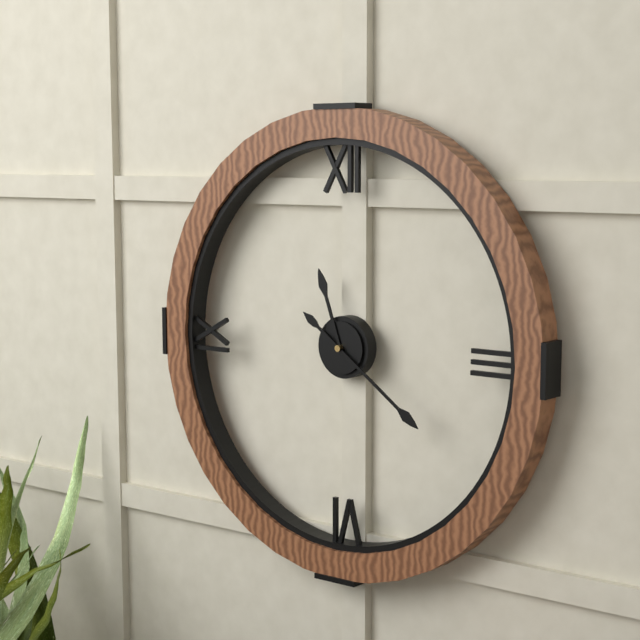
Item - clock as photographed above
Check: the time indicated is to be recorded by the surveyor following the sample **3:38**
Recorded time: **11:21**
